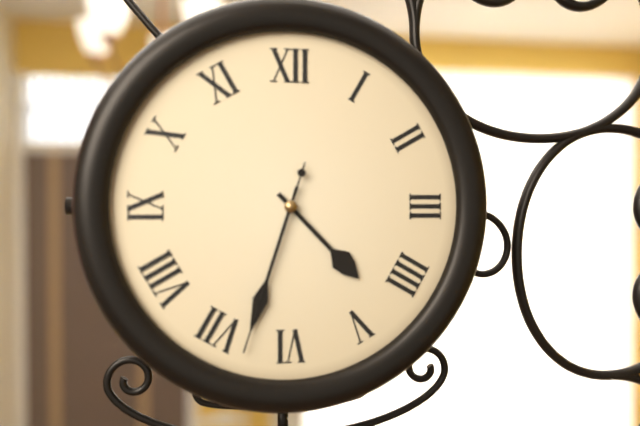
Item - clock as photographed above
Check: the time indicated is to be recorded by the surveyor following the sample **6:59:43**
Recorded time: **4:33:33**
